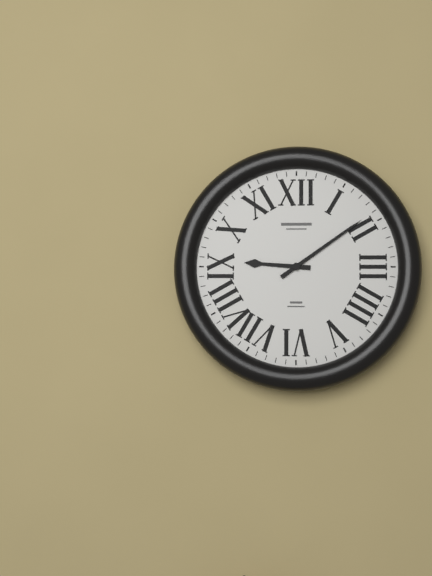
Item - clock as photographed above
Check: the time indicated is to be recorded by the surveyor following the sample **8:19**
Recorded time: **9:09**
